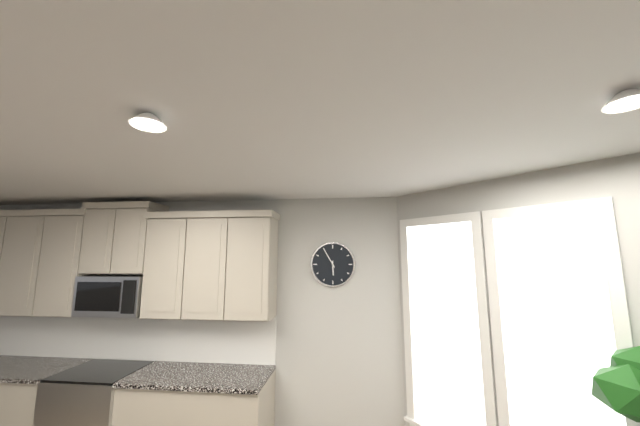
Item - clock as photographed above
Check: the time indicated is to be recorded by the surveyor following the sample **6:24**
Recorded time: **5:55**
